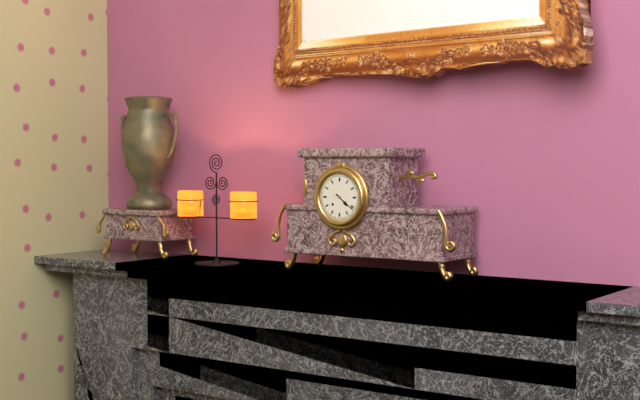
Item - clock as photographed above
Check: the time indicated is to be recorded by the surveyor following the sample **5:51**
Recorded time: **4:21**
